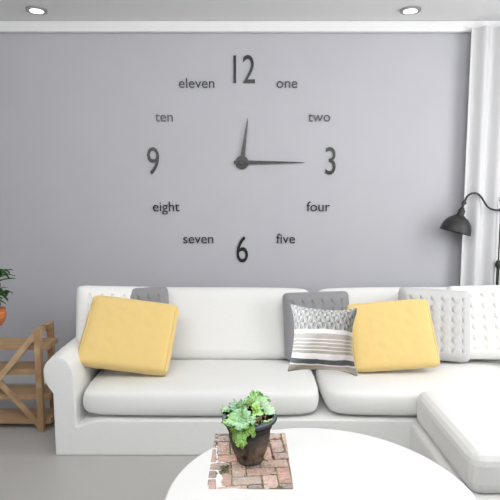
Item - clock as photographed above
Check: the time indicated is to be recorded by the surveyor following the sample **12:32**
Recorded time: **12:15**
